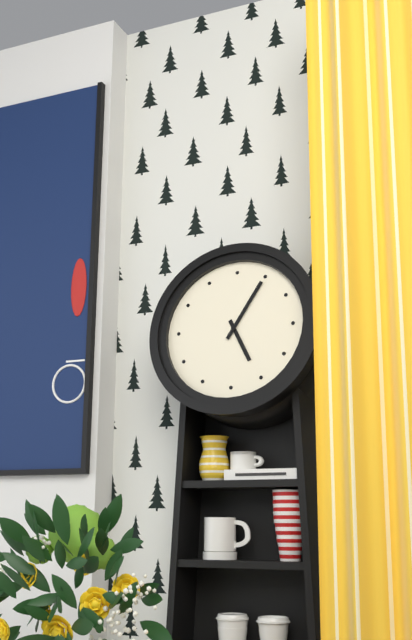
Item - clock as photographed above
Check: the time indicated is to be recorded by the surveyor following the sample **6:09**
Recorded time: **5:05**
